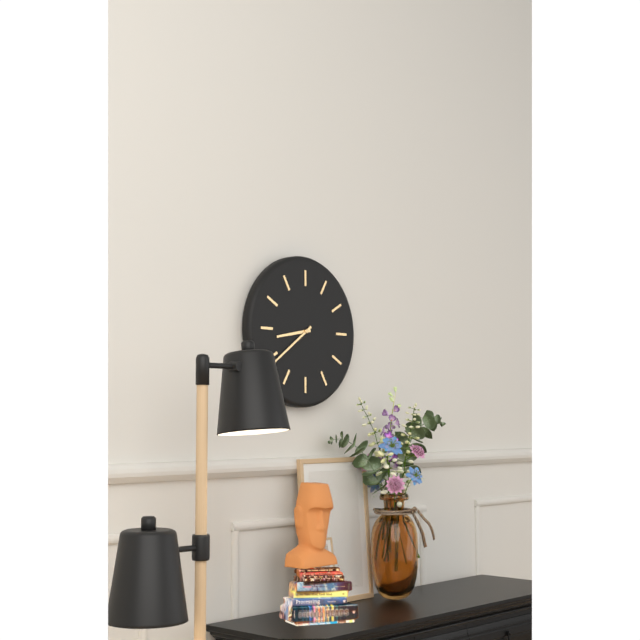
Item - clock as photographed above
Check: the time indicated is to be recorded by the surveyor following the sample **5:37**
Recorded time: **8:39**
